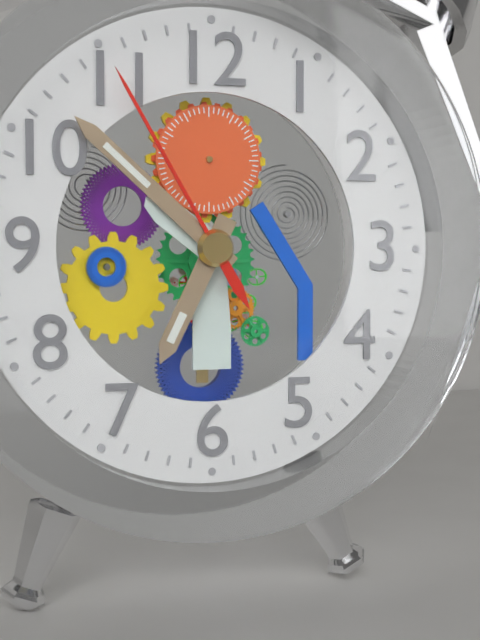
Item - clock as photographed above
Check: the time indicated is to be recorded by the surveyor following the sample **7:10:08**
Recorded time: **6:52:55**
